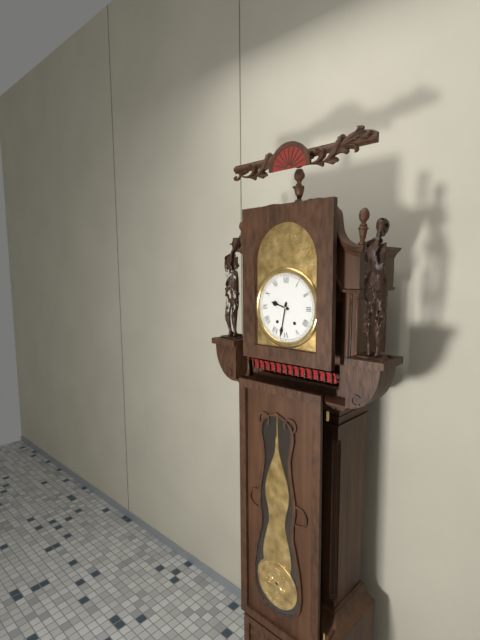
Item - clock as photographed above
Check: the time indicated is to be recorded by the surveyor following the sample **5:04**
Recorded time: **9:32**
